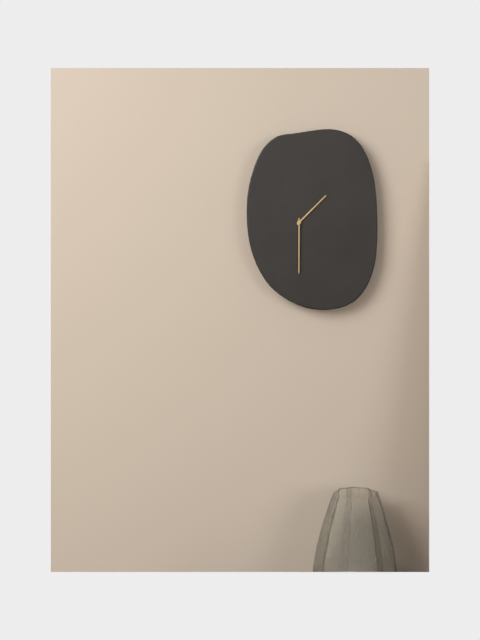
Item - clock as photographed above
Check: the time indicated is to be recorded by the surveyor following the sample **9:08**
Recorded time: **1:30**
